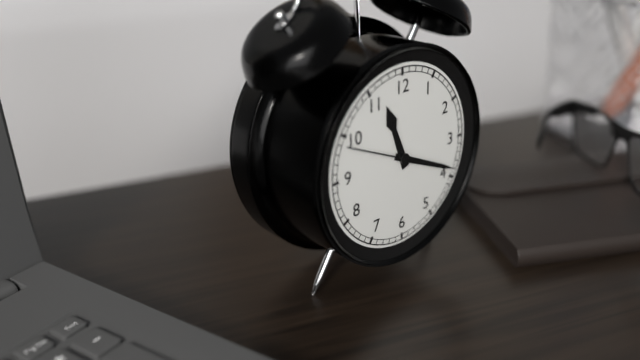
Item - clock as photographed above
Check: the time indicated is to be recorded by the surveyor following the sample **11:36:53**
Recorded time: **11:19:49**
